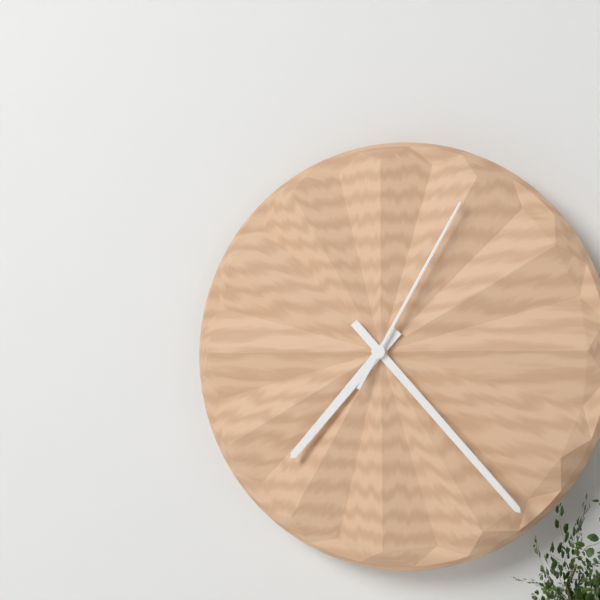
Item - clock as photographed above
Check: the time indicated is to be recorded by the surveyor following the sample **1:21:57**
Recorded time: **7:23:05**
